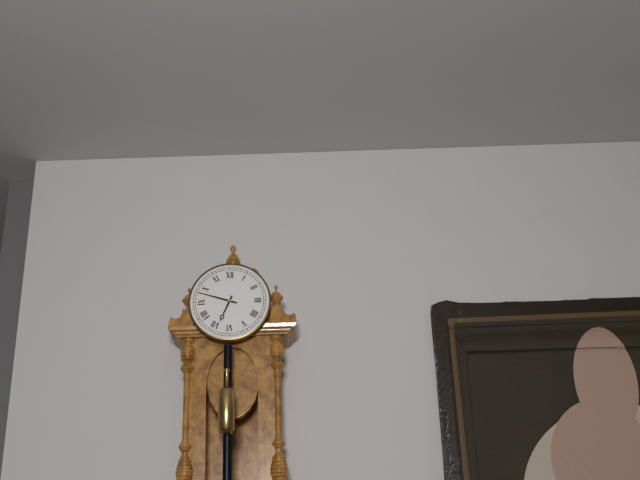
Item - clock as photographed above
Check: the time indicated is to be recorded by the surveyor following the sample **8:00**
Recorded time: **6:48**
